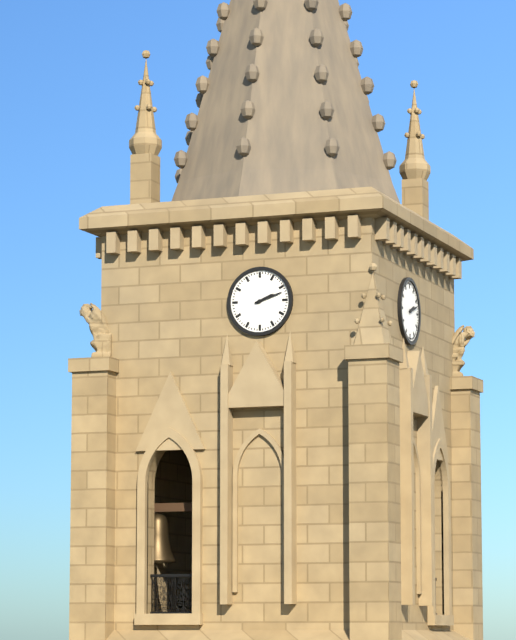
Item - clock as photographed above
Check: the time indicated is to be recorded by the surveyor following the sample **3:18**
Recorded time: **2:12**
